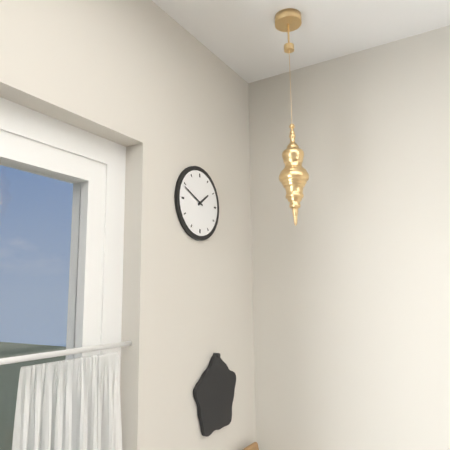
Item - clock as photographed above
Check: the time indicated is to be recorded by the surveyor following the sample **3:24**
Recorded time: **1:49**
